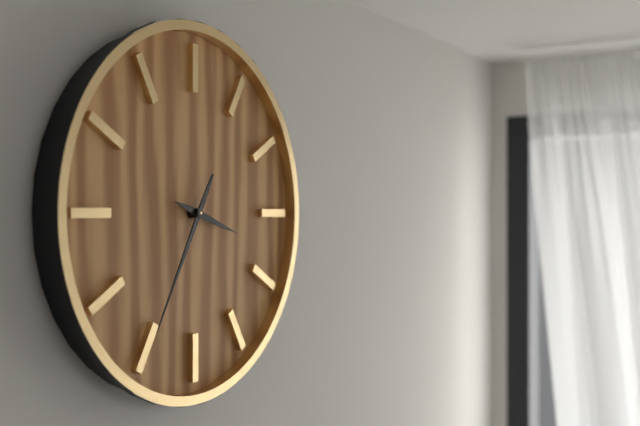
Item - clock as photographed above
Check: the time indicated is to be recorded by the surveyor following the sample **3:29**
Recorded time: **3:35**
